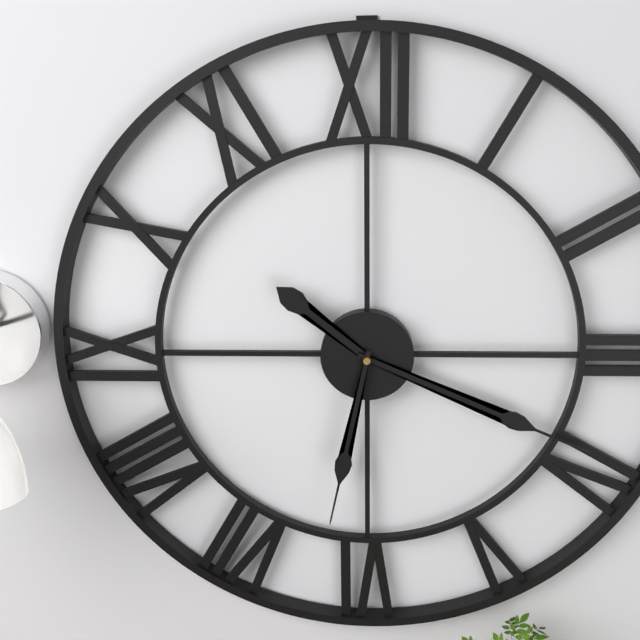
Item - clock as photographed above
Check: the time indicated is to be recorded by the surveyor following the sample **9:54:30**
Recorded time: **10:19:32**
